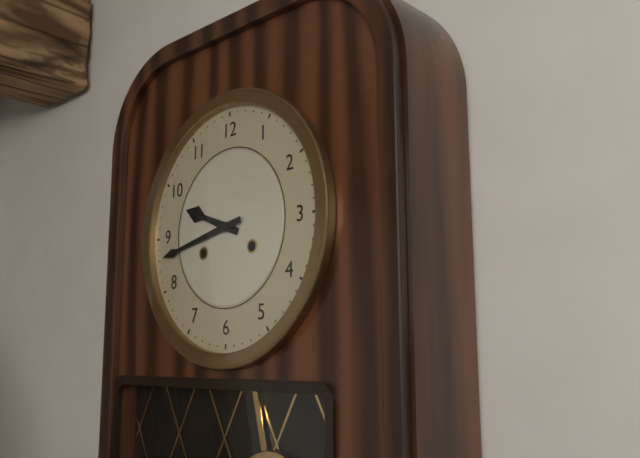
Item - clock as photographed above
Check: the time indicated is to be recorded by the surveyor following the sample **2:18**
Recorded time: **9:43**
